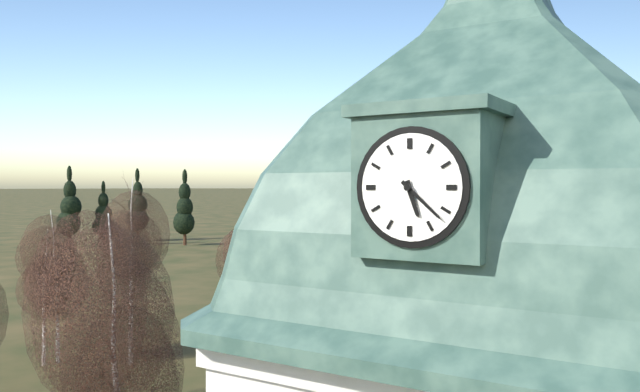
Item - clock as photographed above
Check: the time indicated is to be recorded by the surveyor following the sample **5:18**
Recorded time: **5:22**
